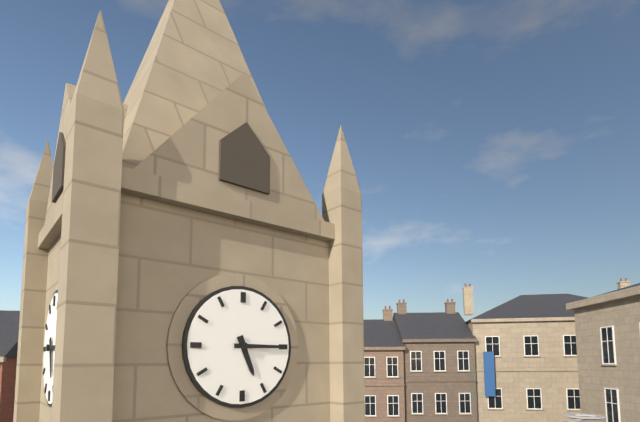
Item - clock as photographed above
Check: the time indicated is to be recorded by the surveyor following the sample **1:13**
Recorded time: **5:15**
